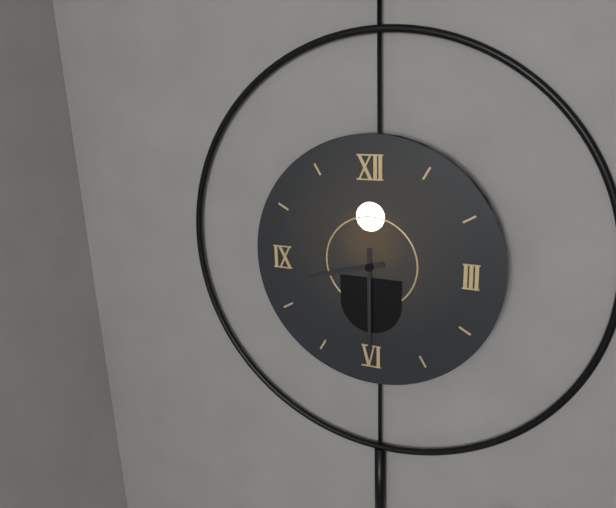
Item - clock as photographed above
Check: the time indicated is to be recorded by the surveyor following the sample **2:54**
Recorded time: **8:30**
